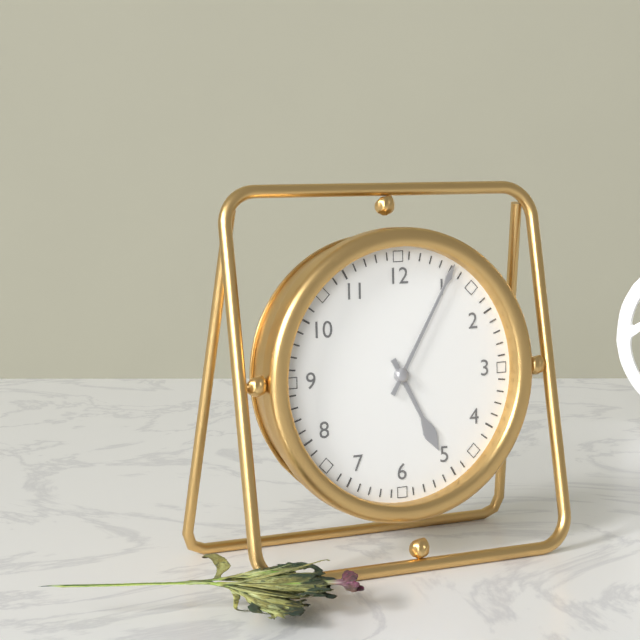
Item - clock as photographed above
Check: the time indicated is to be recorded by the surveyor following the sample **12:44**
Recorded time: **5:05**
